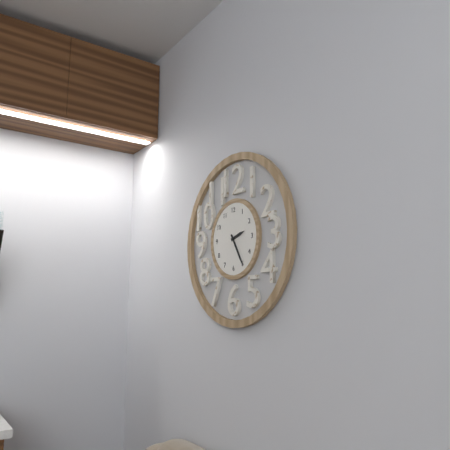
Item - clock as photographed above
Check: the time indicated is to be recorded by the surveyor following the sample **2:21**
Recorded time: **2:25**
